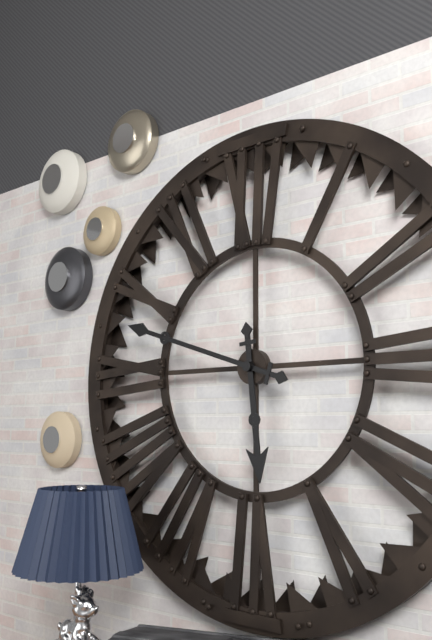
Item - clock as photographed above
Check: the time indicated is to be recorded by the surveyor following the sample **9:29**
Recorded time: **5:48**
